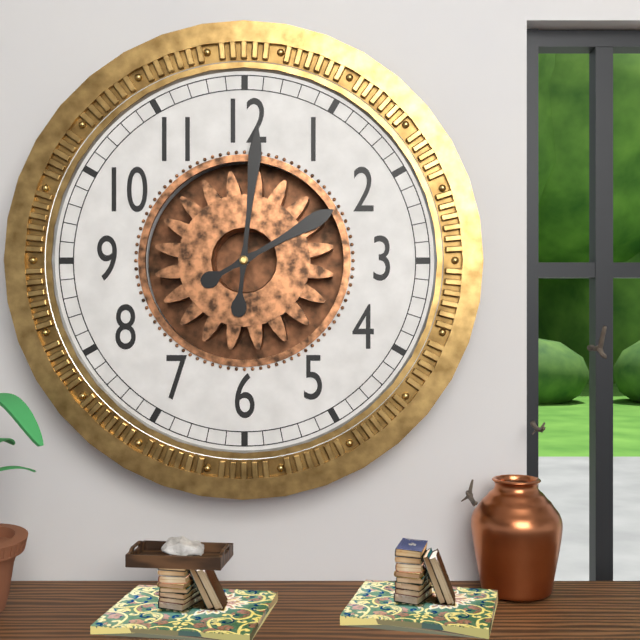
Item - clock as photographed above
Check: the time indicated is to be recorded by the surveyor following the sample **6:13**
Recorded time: **2:01**
